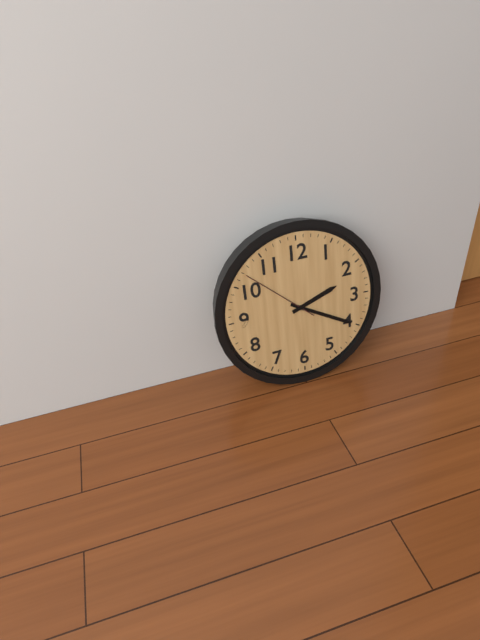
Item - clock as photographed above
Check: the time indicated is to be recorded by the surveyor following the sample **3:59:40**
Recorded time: **2:20:52**
